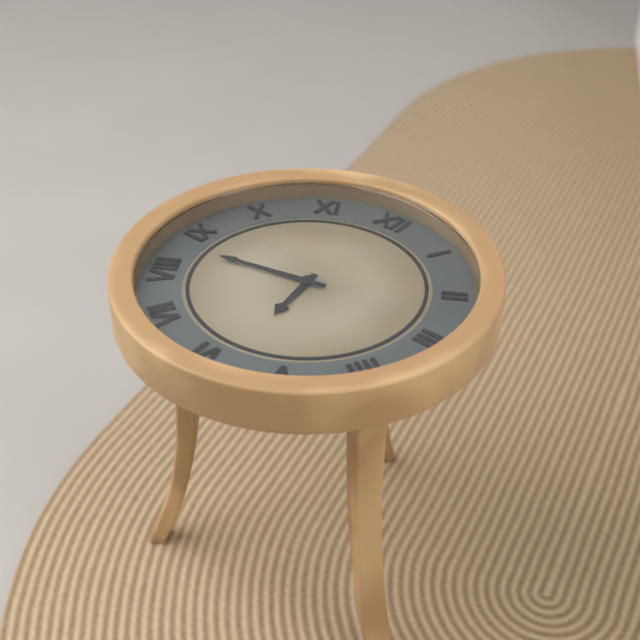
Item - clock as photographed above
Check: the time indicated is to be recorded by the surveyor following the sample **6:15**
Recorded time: **5:43**
